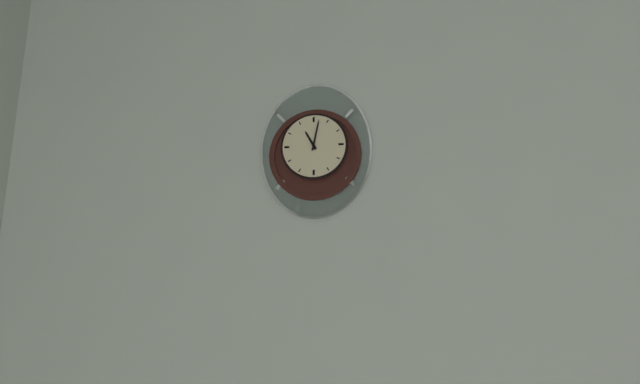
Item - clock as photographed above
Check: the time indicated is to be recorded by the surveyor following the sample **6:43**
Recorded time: **11:02**
